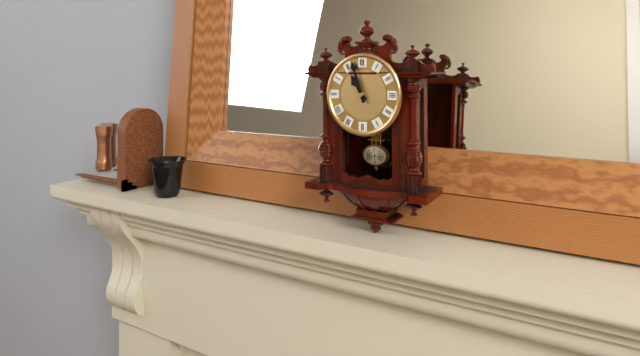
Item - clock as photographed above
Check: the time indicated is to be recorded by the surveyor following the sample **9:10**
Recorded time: **10:57**
